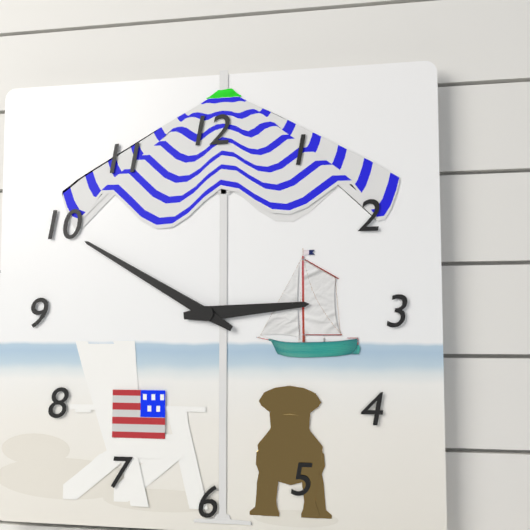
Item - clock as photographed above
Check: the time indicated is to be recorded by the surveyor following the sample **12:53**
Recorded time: **2:50**
